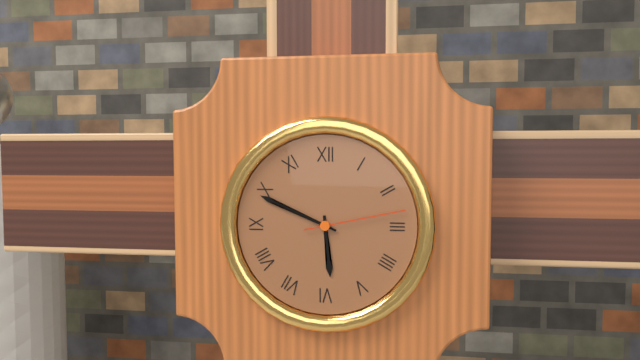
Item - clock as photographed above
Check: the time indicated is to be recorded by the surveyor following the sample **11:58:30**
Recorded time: **5:49:13**
